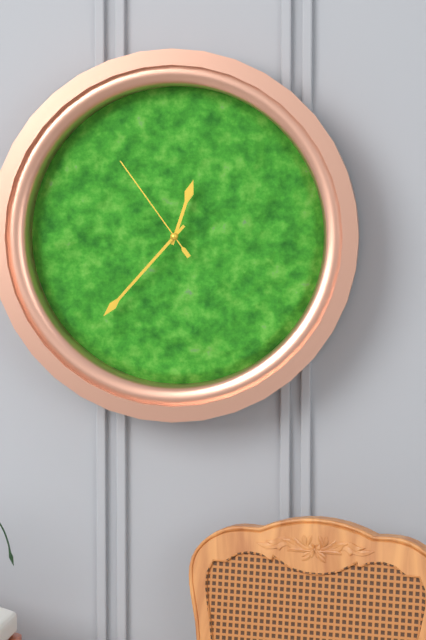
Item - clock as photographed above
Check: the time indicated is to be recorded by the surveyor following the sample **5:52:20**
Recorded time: **12:37:54**
